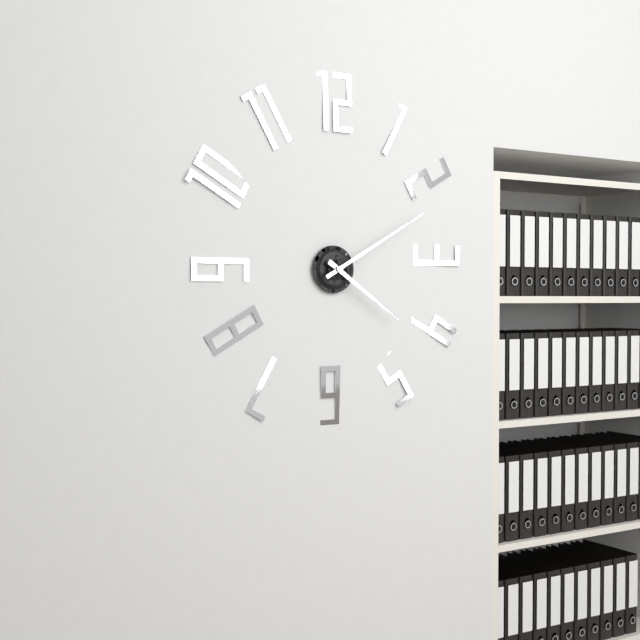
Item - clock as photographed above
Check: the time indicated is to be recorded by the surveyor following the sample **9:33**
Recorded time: **4:10**
